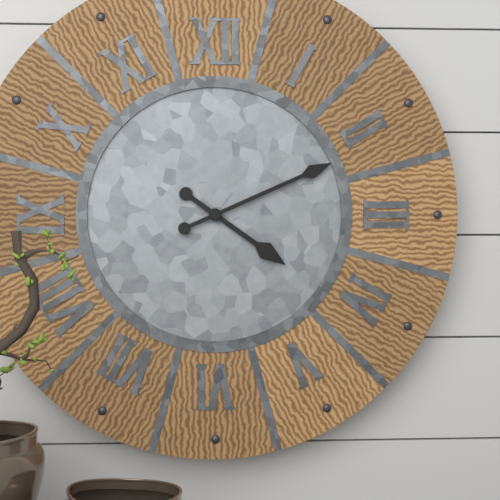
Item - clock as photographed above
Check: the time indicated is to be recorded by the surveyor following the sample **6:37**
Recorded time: **4:11**
